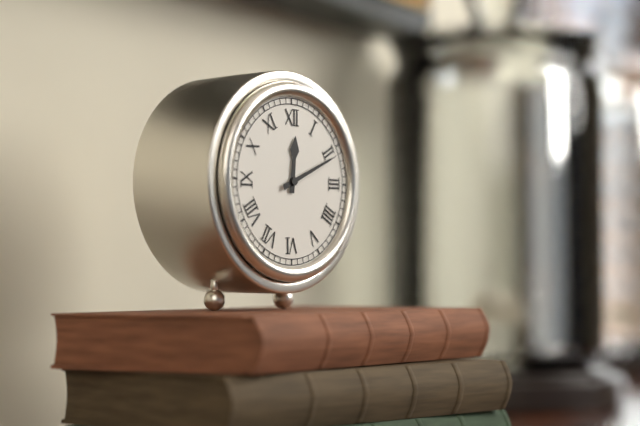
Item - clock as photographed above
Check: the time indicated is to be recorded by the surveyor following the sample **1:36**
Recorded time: **12:11**
